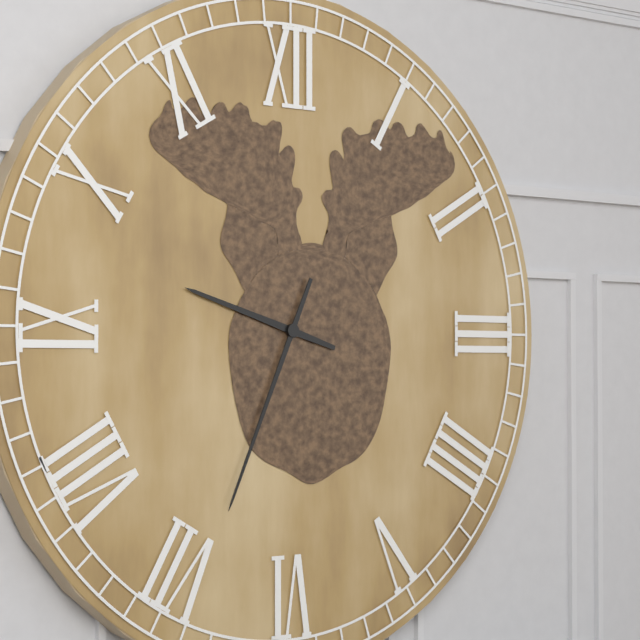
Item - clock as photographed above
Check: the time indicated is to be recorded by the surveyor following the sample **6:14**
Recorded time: **9:34**
